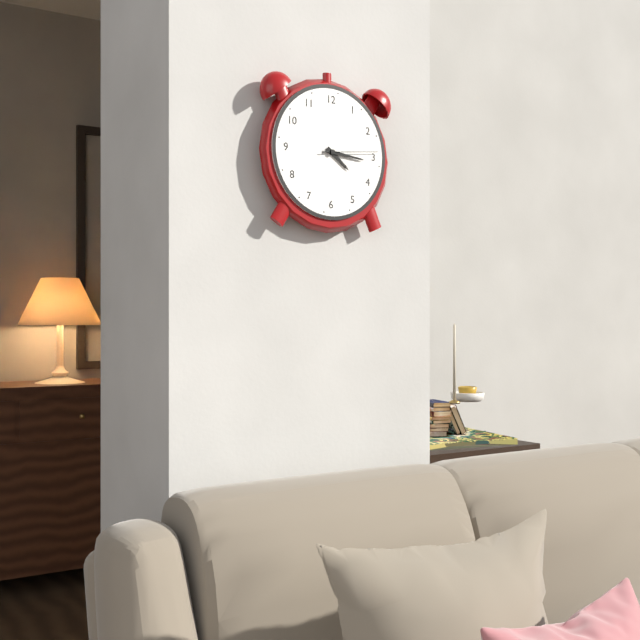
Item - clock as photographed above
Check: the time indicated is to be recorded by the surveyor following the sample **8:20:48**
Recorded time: **4:16:14**
